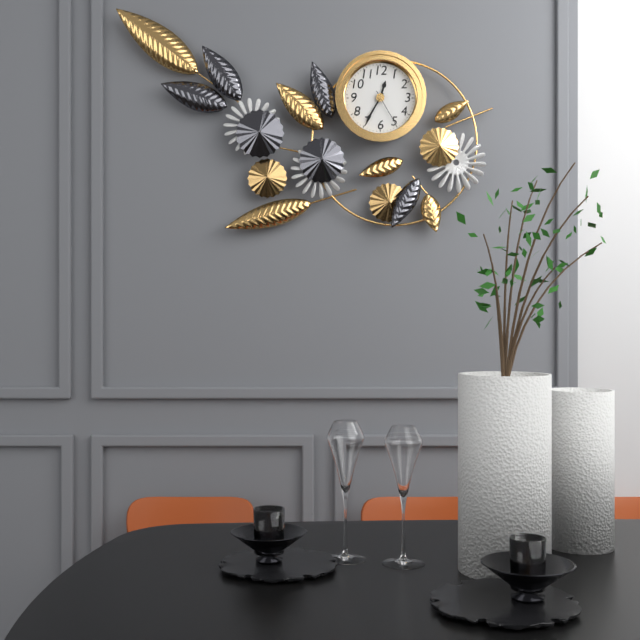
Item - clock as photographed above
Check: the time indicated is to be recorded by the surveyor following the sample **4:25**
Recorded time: **12:35**
